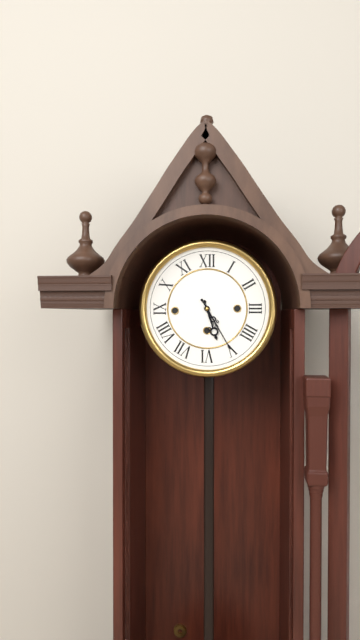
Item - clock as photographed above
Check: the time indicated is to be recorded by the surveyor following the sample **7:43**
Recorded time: **5:25**
